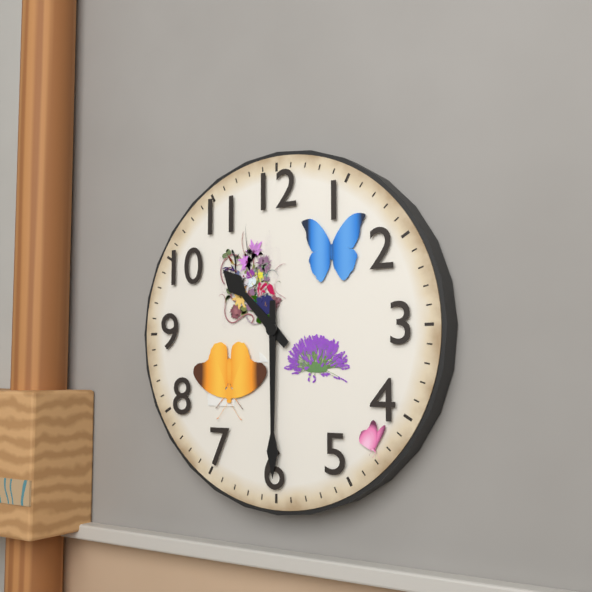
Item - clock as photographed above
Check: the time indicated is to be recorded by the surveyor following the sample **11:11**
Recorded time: **10:30**
